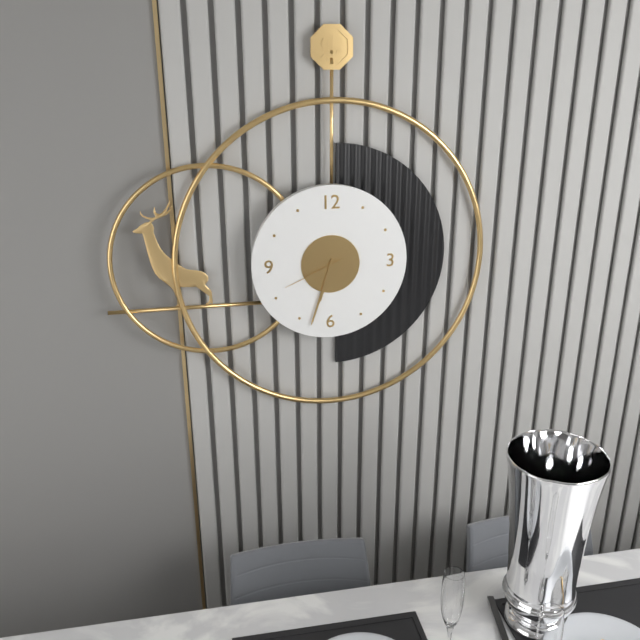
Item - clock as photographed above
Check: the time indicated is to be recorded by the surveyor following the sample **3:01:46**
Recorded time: **6:33:41**
